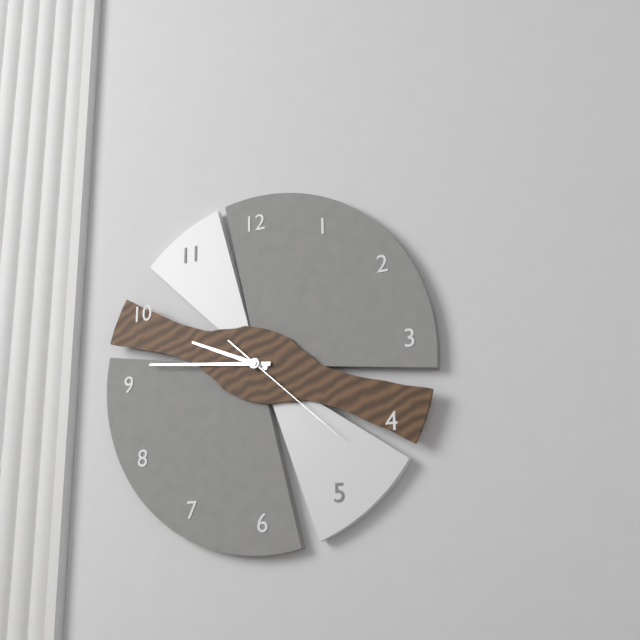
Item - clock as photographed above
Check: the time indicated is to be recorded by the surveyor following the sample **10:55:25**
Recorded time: **9:46:22**
